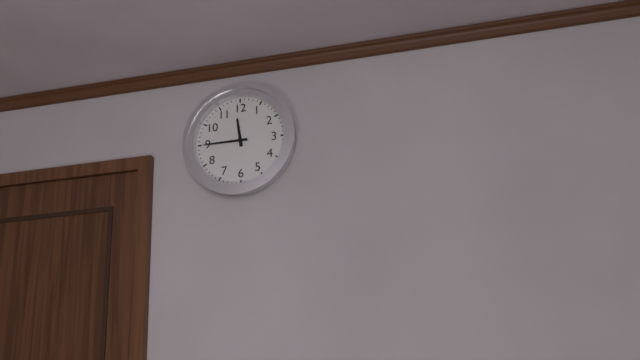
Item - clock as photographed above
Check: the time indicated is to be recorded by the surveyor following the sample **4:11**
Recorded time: **11:45**
